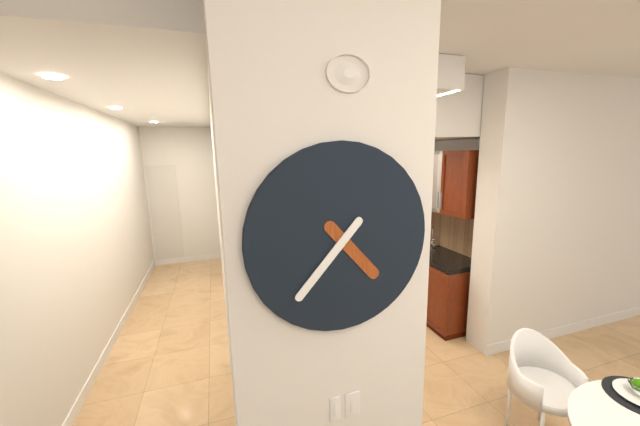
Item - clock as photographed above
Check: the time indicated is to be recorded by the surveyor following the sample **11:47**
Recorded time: **4:37**
